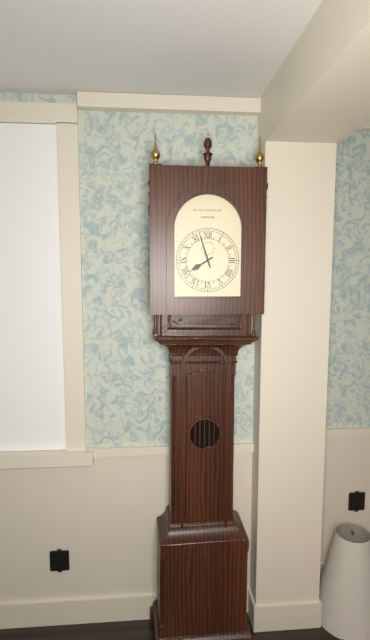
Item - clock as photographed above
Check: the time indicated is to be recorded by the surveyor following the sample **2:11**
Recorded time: **7:57**
